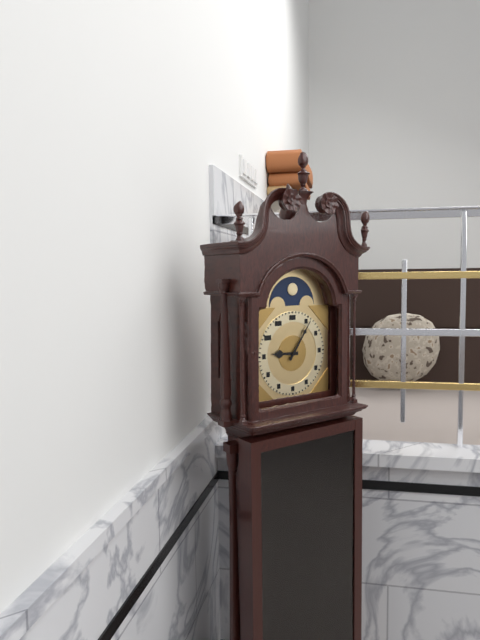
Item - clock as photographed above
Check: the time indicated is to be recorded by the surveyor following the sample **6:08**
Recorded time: **9:06**
